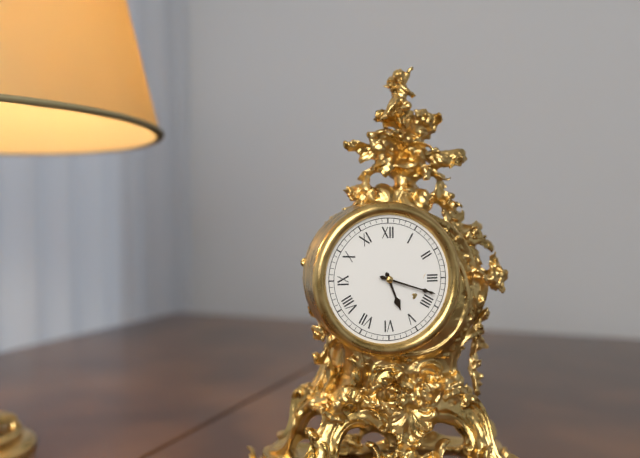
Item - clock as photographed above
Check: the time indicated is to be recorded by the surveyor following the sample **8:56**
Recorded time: **5:18**
